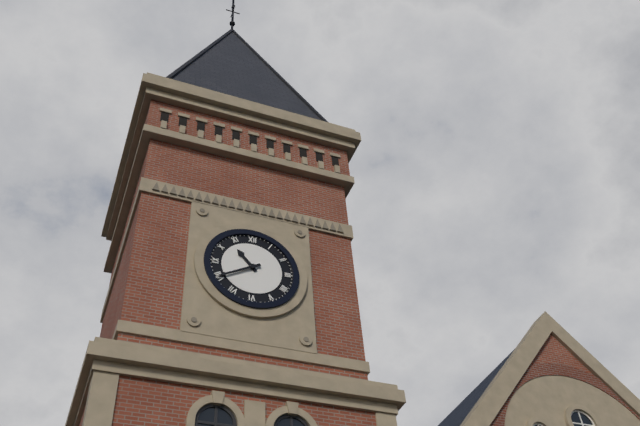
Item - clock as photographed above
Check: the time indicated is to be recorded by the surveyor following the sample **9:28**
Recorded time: **10:40**
